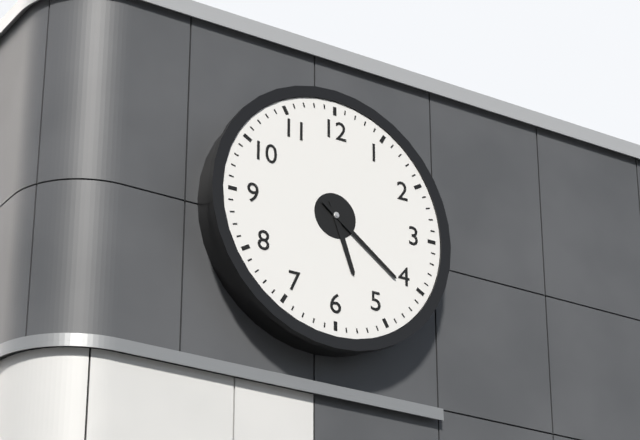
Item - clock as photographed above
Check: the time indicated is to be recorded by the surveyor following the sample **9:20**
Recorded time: **5:21**
